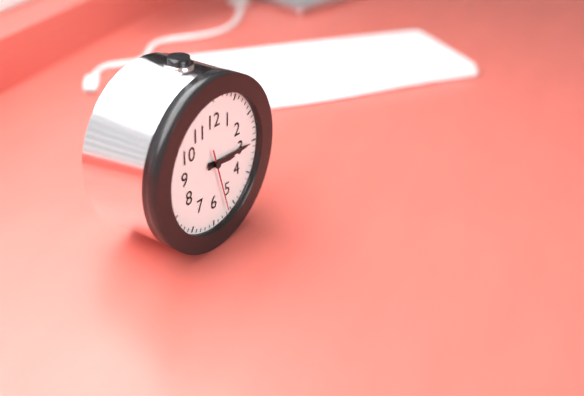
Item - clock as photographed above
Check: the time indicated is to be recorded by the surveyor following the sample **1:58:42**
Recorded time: **3:15:27**
